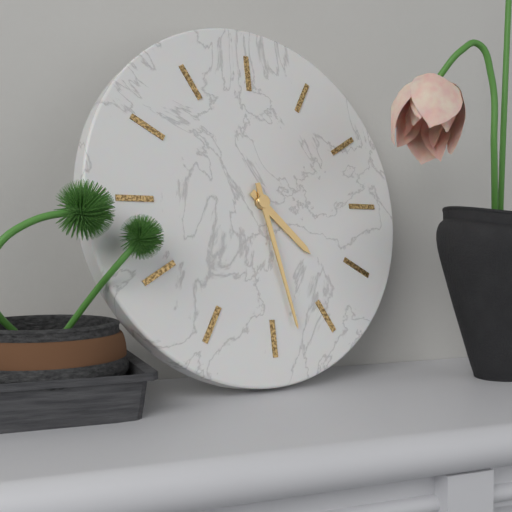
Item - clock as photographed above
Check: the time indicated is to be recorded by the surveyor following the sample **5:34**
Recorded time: **4:28**
